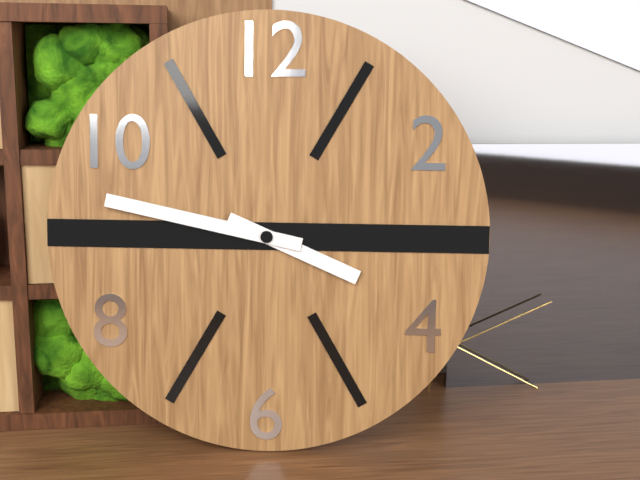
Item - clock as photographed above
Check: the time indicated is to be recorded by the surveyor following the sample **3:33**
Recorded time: **3:47**
